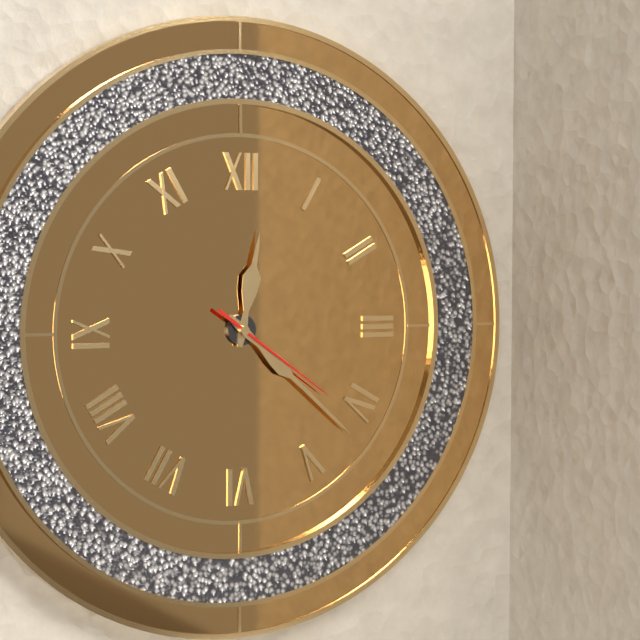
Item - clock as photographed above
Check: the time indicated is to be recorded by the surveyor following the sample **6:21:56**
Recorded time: **12:22:21**
